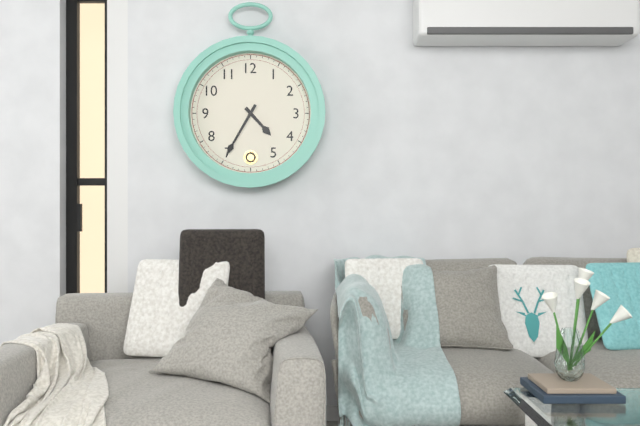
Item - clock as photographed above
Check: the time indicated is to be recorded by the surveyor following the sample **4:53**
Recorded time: **4:35**
